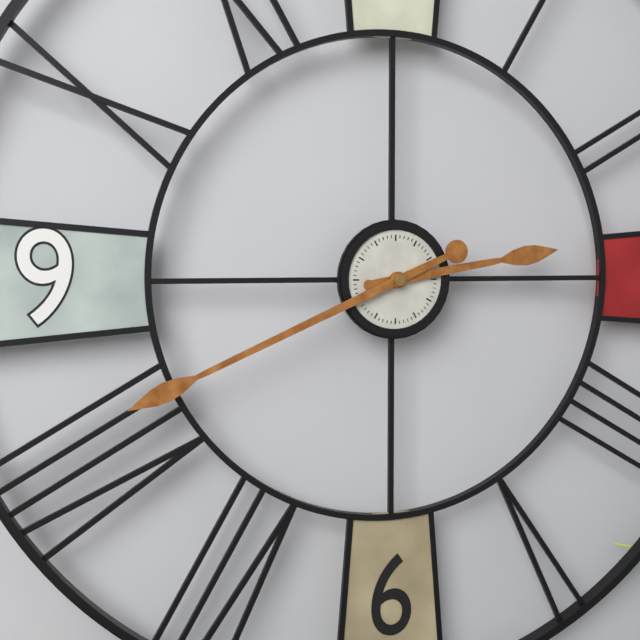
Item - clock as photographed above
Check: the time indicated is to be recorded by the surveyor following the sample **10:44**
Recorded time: **2:41**
